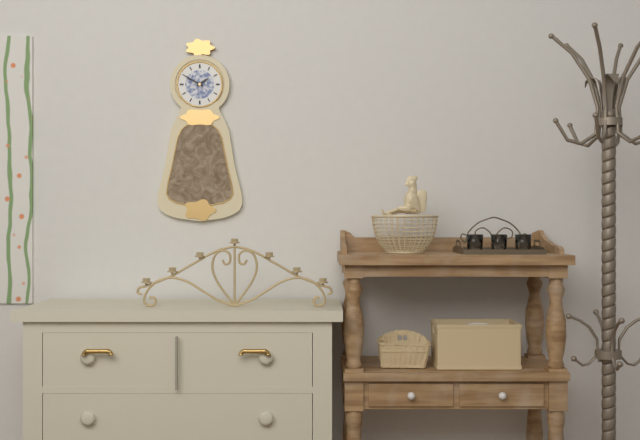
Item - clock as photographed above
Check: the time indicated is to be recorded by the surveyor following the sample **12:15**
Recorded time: **1:50**
